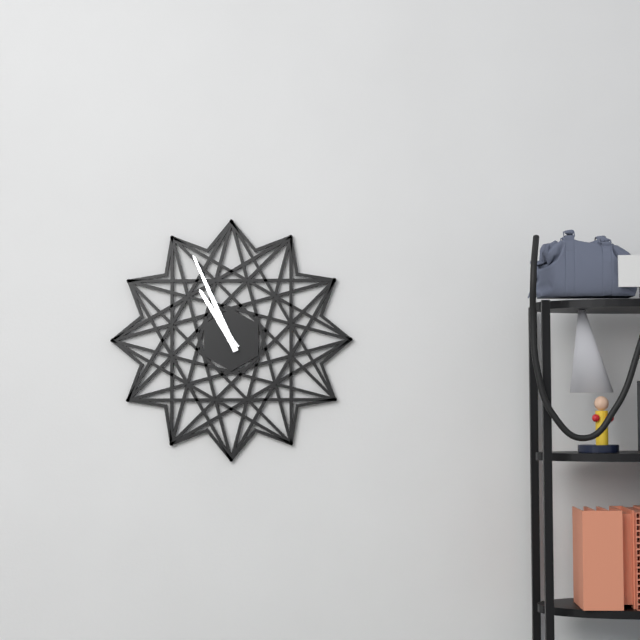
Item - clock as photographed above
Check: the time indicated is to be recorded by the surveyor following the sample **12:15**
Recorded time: **10:56**
